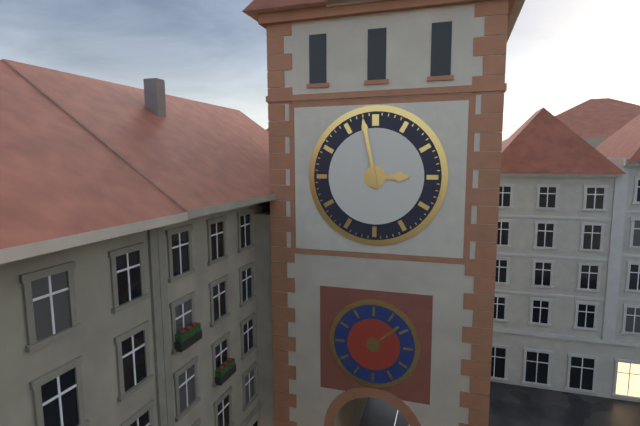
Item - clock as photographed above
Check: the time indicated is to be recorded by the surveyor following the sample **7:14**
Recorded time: **2:58**
